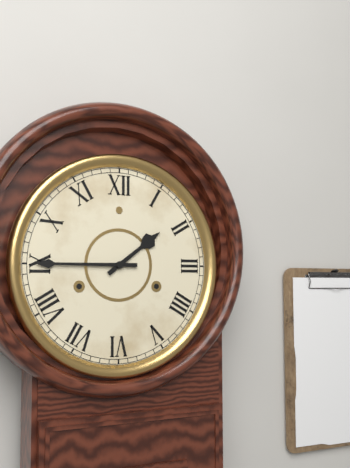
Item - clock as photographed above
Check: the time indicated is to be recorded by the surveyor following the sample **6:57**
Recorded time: **1:45**
